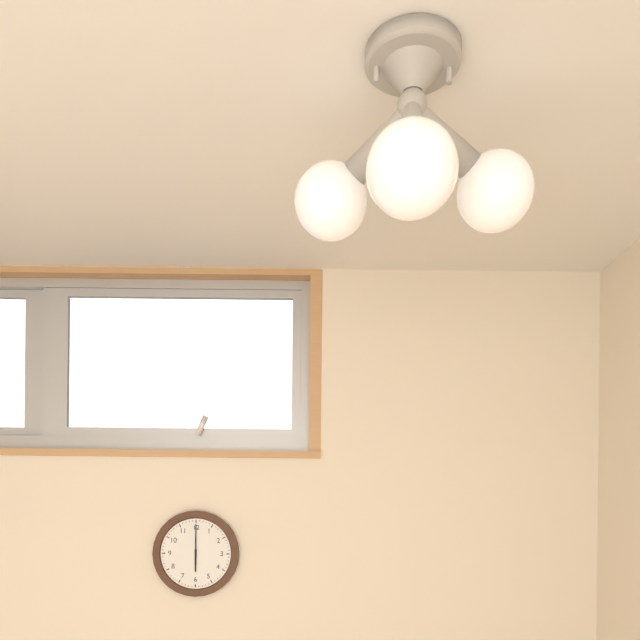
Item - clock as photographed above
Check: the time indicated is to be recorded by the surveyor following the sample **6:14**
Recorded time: **6:00**
